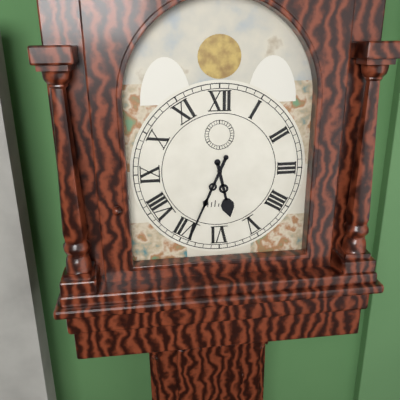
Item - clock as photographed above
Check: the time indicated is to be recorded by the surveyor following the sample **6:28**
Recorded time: **5:34**
